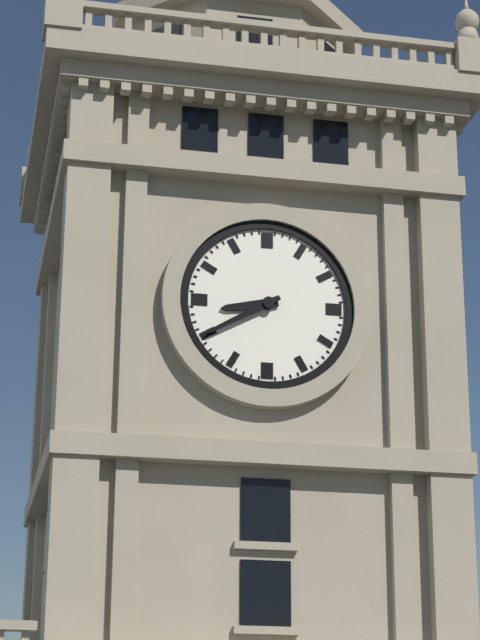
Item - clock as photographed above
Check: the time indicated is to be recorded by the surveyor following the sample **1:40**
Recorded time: **8:40**
